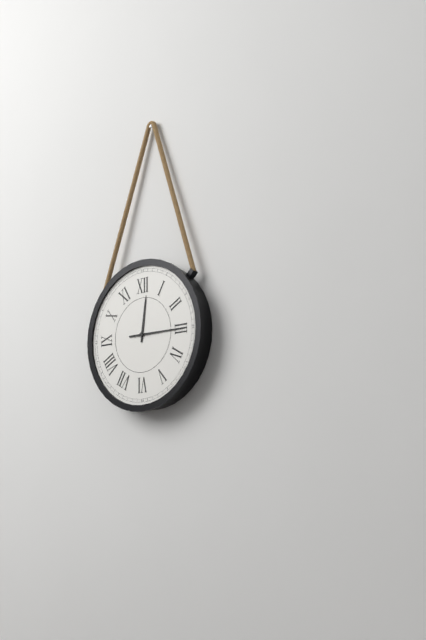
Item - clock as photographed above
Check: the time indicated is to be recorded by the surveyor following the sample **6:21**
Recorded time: **12:15**
